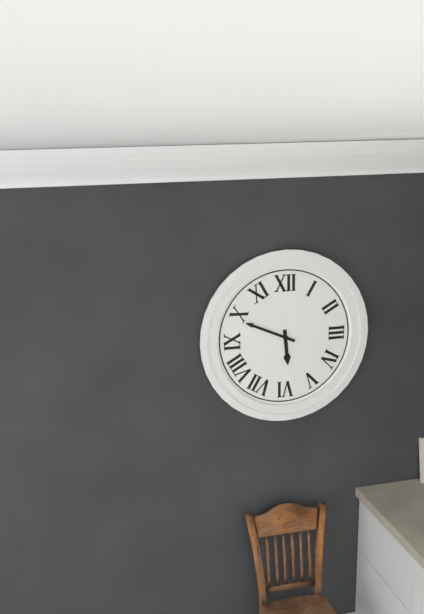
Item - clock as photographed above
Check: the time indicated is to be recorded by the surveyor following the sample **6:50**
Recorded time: **5:49**
